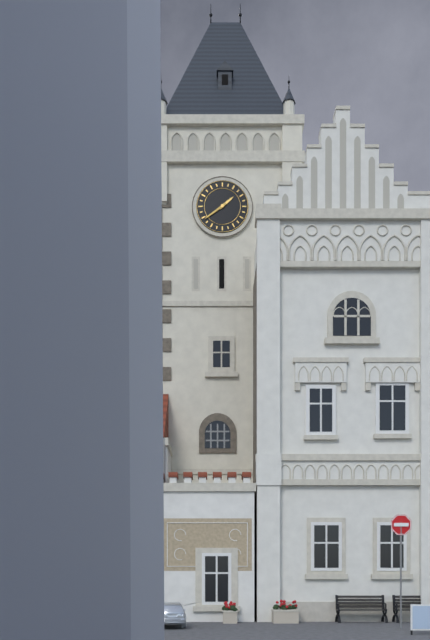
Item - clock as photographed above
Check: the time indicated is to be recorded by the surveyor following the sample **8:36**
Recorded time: **1:39**
